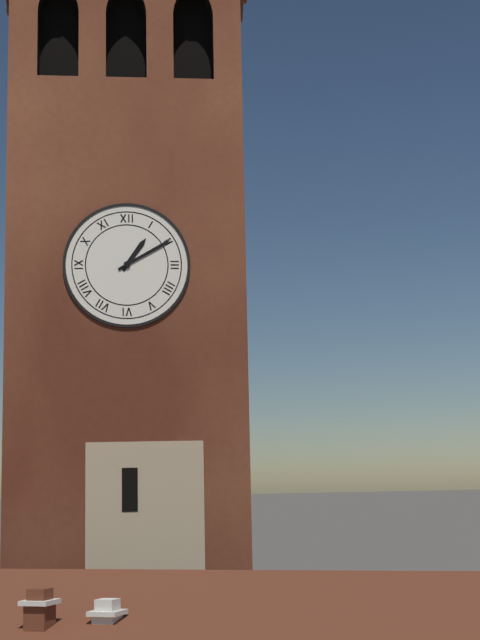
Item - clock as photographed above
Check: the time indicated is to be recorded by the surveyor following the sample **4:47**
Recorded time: **1:10**
